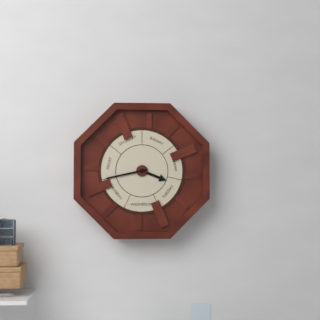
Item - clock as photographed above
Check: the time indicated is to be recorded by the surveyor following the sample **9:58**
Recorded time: **3:43**
